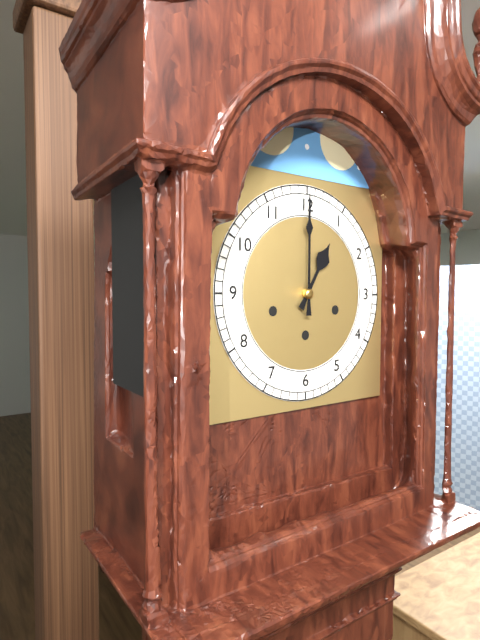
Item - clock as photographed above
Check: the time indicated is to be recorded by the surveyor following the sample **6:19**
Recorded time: **1:00**
